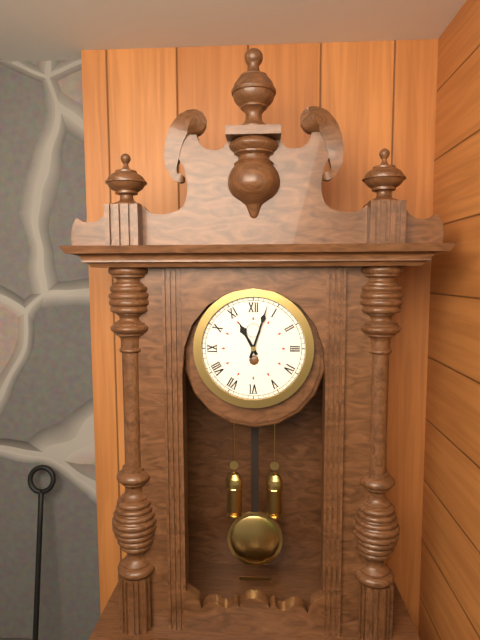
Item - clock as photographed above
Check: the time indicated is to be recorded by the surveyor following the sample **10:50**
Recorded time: **11:03**
